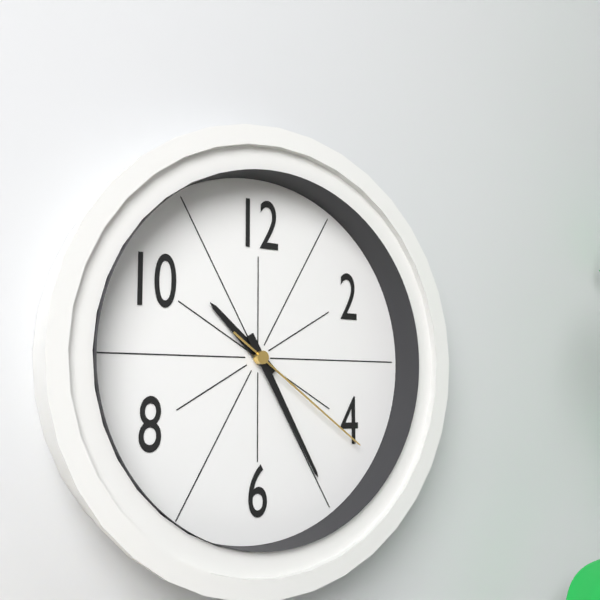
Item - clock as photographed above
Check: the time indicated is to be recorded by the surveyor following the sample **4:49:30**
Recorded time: **10:25:21**
